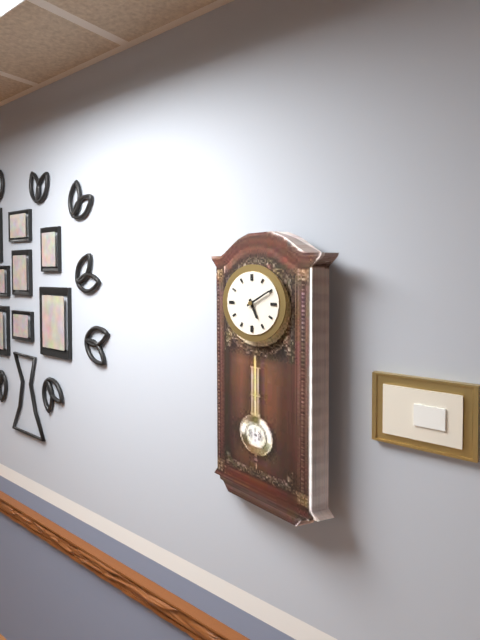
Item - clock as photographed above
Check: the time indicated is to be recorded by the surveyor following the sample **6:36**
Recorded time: **5:10**
